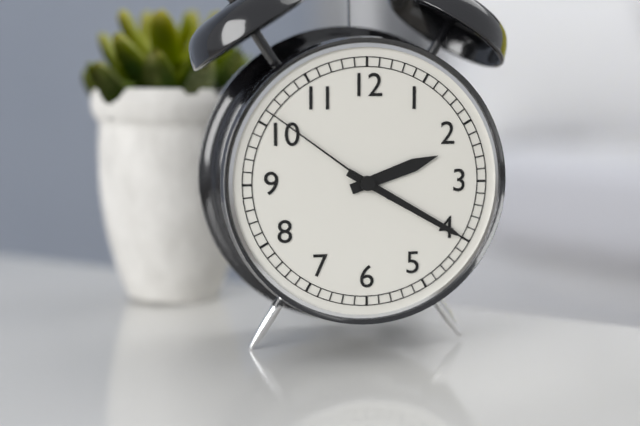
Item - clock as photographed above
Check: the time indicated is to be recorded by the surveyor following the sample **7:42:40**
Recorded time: **2:20:51**
